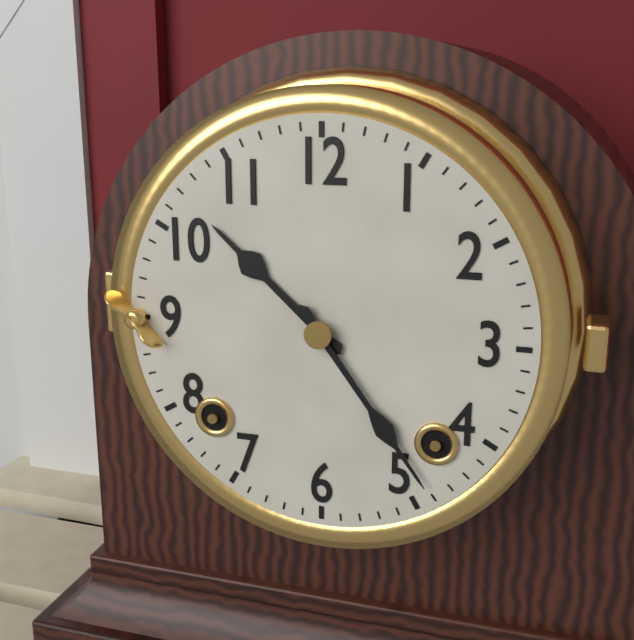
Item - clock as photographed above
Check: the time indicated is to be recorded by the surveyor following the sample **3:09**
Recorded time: **10:24**
